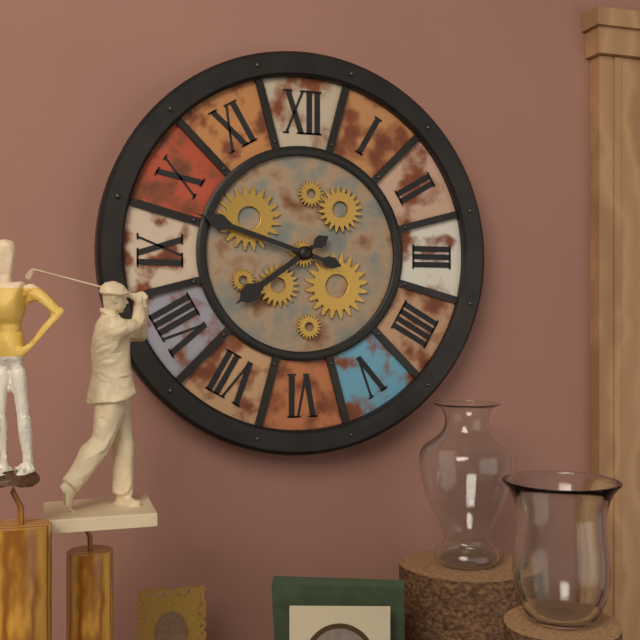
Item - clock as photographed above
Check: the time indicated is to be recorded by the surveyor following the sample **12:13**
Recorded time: **7:48**
